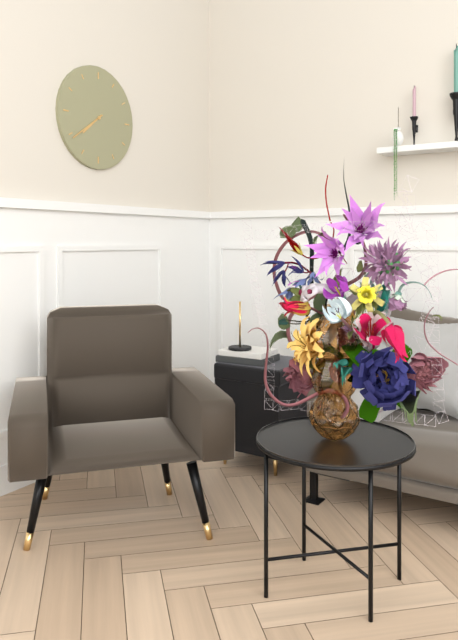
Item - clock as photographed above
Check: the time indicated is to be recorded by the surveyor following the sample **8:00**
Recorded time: **7:39**
